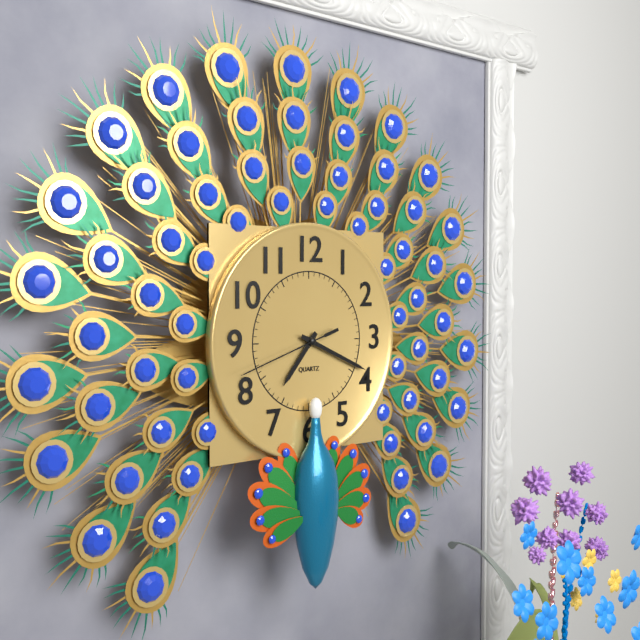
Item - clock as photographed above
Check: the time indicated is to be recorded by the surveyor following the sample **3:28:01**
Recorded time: **7:19:42**
